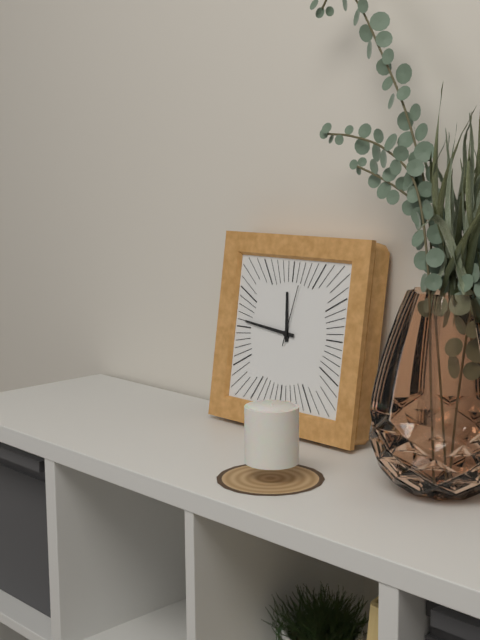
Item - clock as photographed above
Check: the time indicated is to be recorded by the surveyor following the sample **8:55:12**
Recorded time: **11:46:02**
